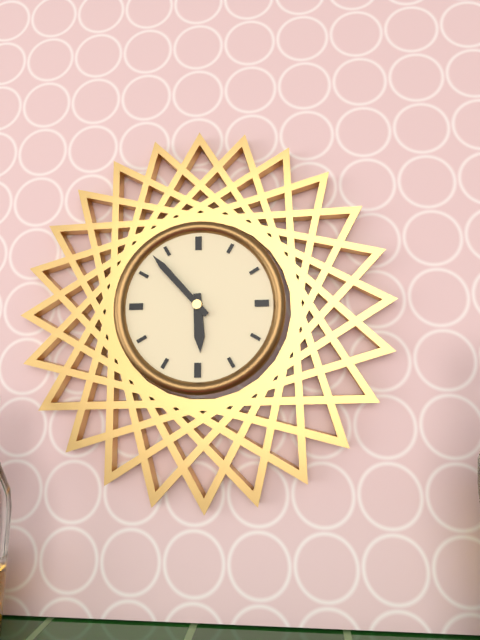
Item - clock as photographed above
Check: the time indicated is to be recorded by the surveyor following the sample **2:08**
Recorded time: **5:53**
